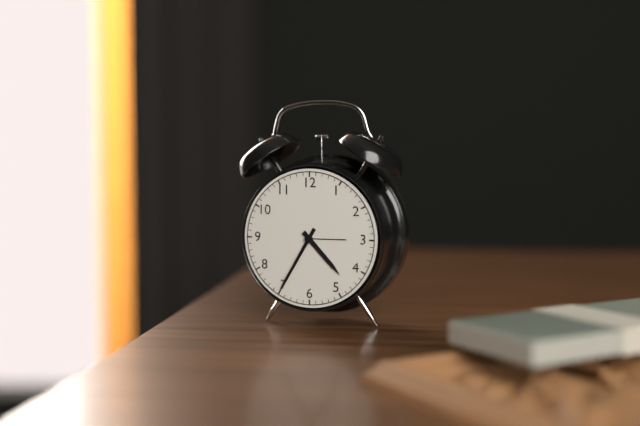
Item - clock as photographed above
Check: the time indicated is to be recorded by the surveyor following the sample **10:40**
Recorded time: **4:35**
